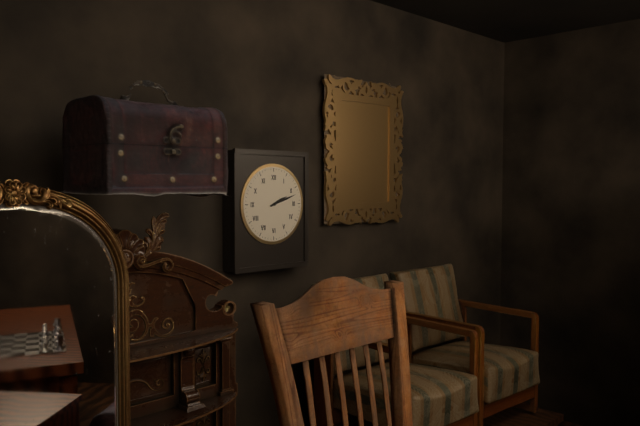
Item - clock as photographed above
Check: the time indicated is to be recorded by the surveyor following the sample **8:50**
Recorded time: **2:12**
